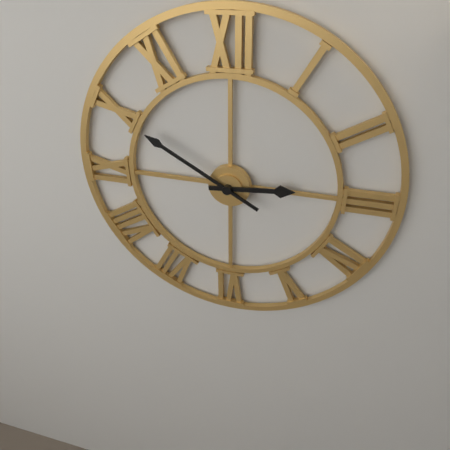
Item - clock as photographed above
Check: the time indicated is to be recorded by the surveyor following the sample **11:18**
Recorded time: **2:50**
